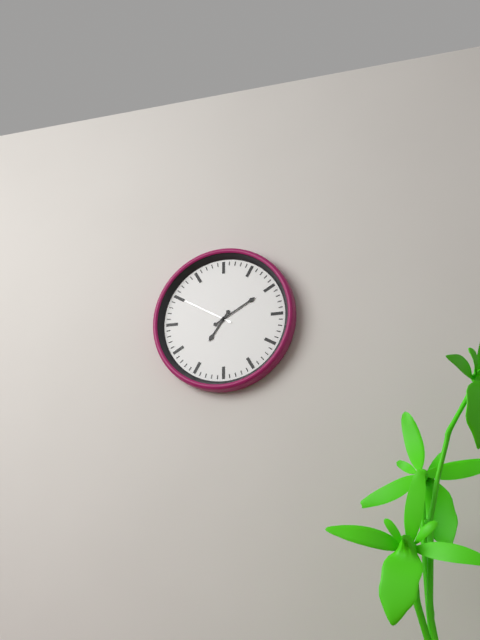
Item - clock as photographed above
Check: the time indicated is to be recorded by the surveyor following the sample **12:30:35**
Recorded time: **7:10:50**
